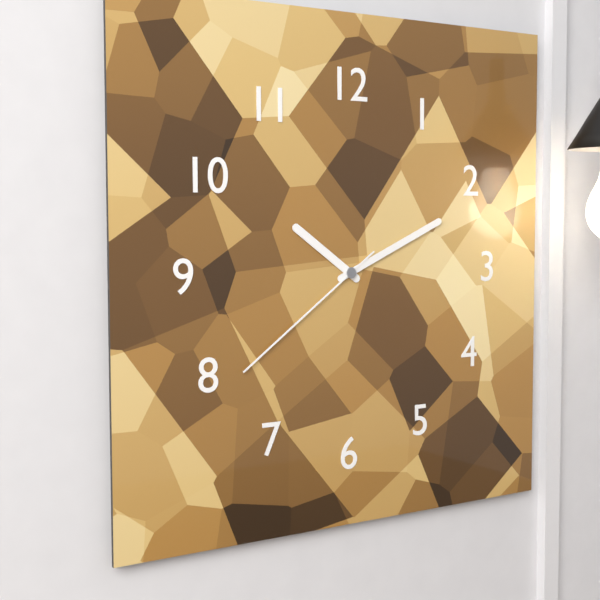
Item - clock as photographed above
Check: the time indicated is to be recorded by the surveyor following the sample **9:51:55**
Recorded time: **10:11:39**
